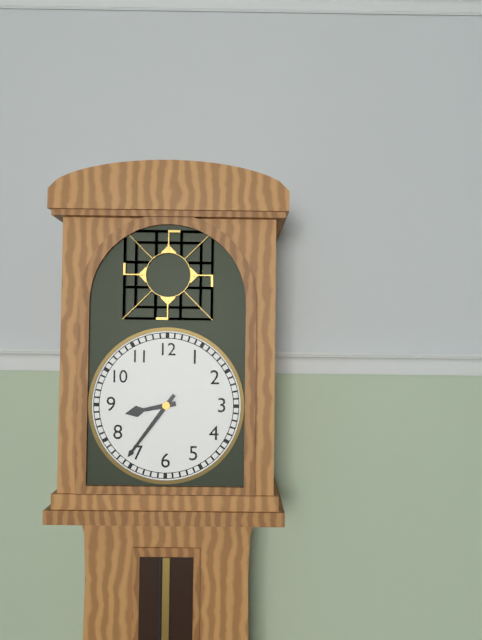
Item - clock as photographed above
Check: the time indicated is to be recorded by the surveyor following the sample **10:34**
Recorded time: **8:36**
